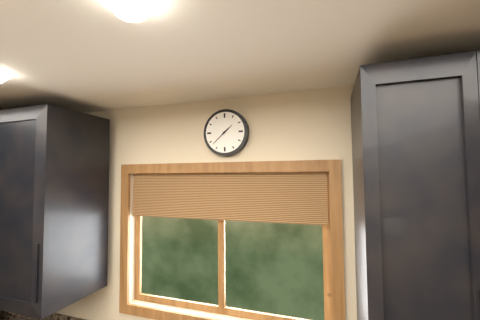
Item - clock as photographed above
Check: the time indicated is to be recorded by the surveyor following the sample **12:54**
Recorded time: **1:38**
